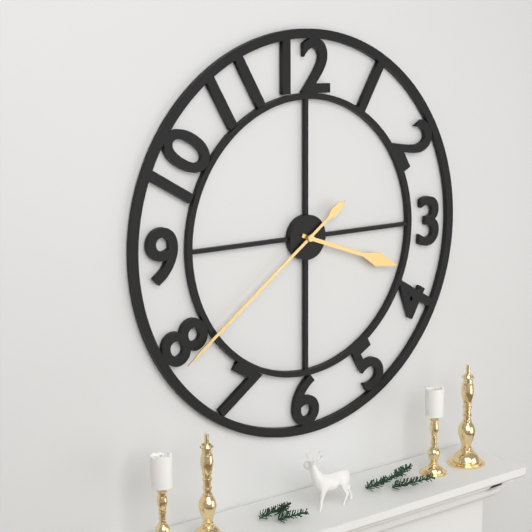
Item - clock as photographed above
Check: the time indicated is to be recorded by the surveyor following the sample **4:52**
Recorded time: **3:39**
